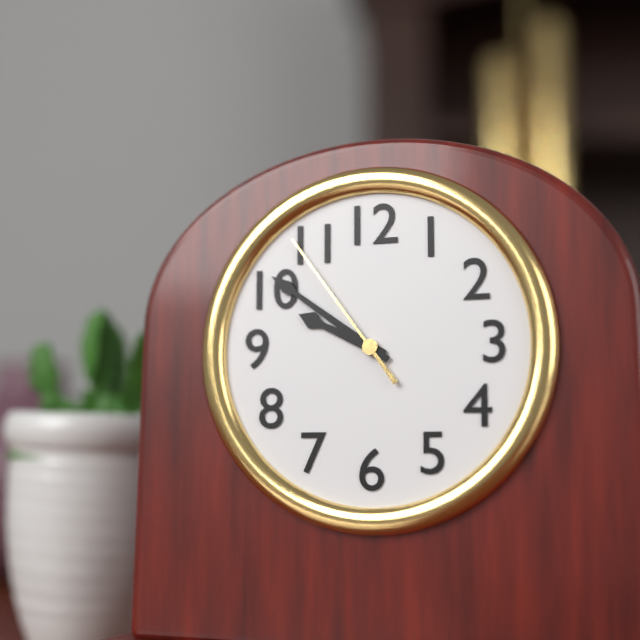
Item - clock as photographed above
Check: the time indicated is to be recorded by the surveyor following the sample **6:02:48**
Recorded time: **9:51:54**
